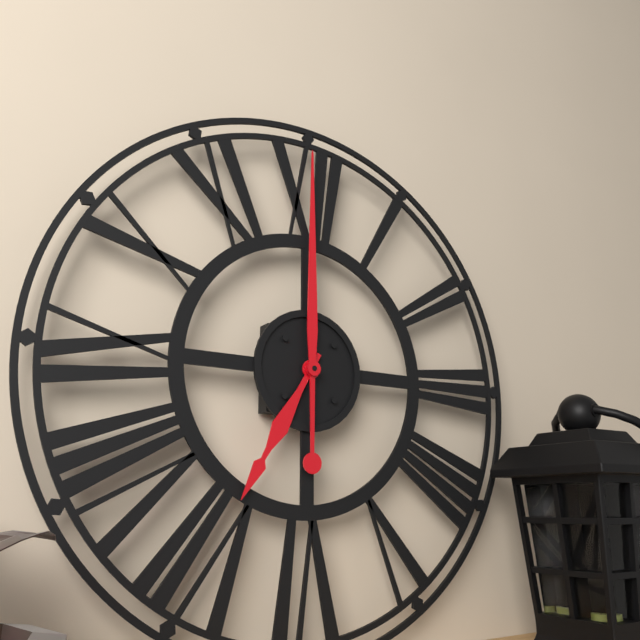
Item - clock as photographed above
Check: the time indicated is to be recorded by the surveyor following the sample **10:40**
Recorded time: **7:00**
